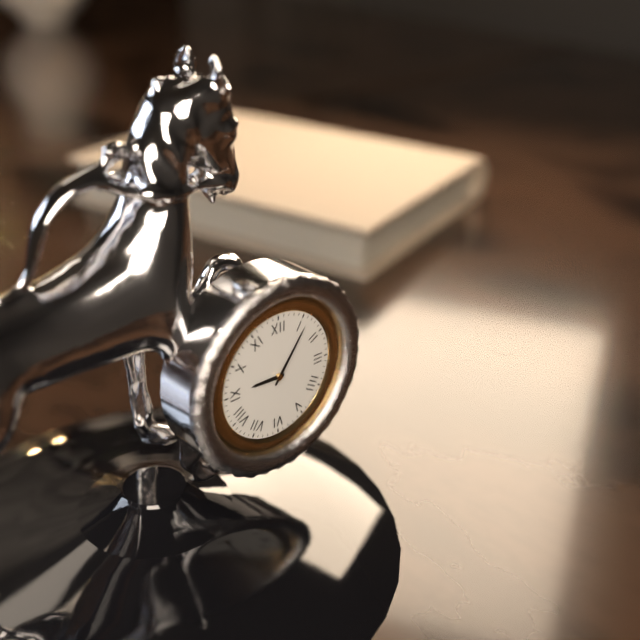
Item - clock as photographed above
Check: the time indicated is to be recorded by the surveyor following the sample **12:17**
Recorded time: **9:06**
